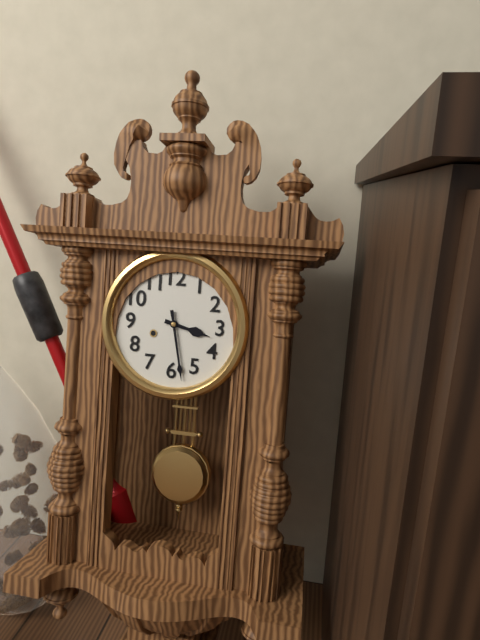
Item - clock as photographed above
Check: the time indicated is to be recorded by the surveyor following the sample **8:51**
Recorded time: **3:28**
